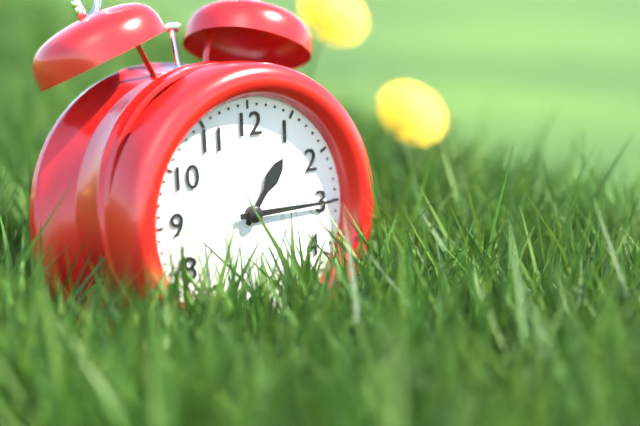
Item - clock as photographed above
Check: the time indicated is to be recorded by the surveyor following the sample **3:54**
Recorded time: **1:15**
